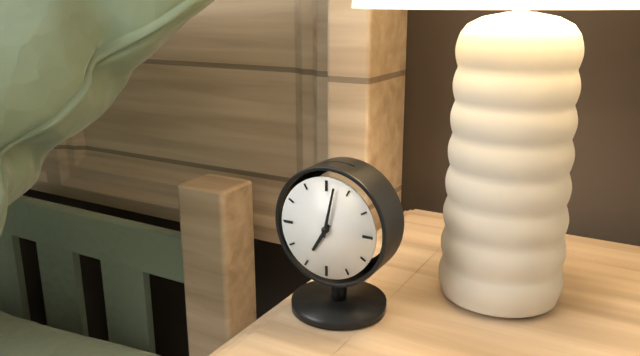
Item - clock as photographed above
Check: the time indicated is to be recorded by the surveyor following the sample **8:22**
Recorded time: **7:02**
